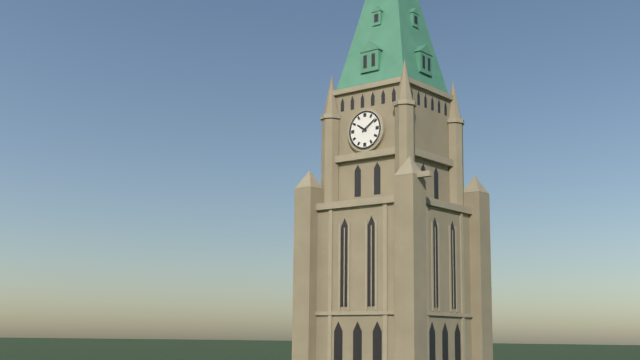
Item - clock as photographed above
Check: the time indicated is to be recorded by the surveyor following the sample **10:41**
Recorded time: **10:09**
